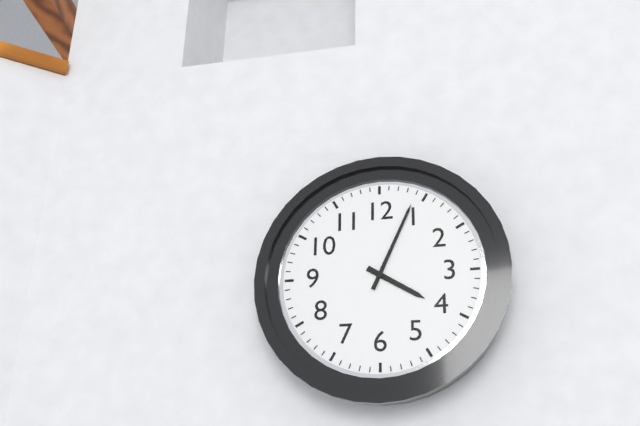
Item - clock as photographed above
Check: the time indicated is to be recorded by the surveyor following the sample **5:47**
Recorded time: **4:04**
